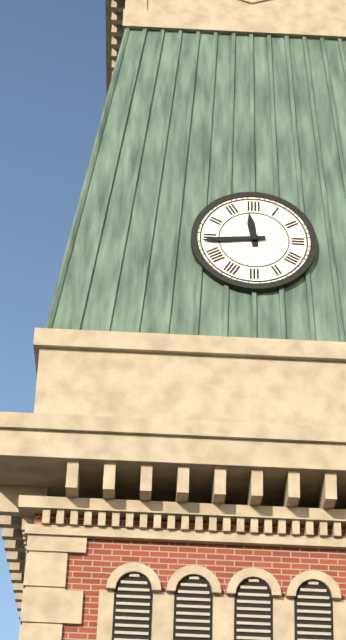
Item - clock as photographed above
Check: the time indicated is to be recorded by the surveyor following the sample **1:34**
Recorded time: **11:44**
